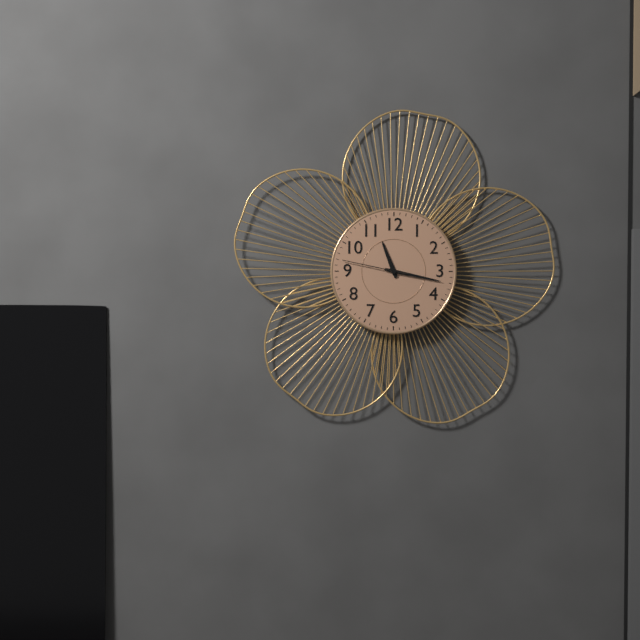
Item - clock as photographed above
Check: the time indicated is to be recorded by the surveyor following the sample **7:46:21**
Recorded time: **11:17:47**
